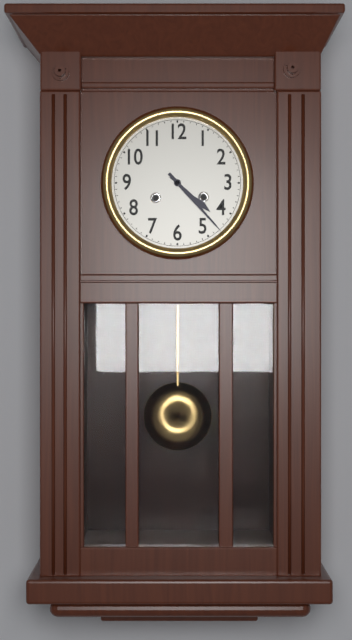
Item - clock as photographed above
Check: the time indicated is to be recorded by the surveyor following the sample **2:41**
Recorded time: **4:23**
